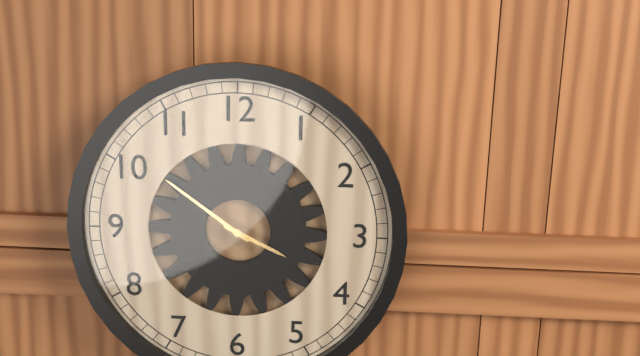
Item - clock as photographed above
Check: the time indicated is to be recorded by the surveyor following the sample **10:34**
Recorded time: **3:51**
